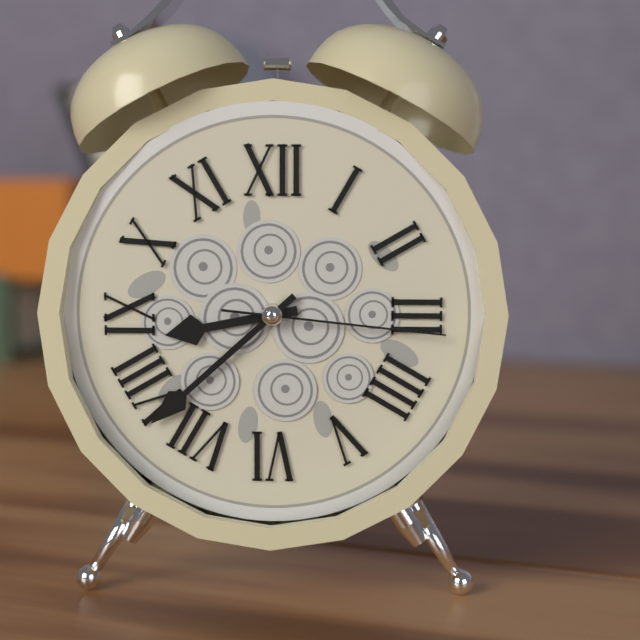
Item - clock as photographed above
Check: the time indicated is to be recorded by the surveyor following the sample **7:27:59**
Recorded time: **8:38:16**
